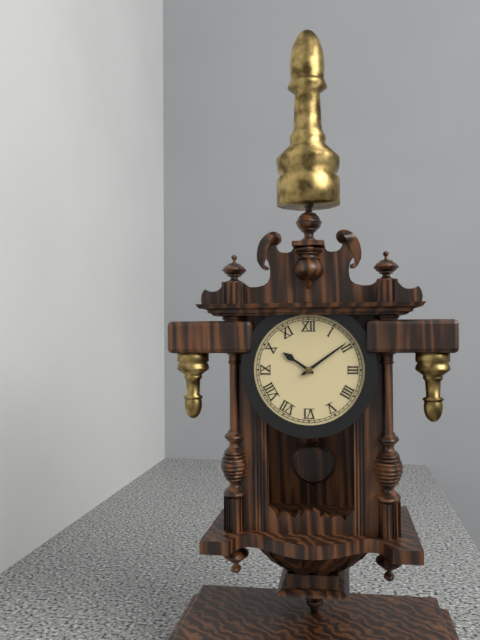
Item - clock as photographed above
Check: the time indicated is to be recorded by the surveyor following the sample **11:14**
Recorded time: **10:09**
